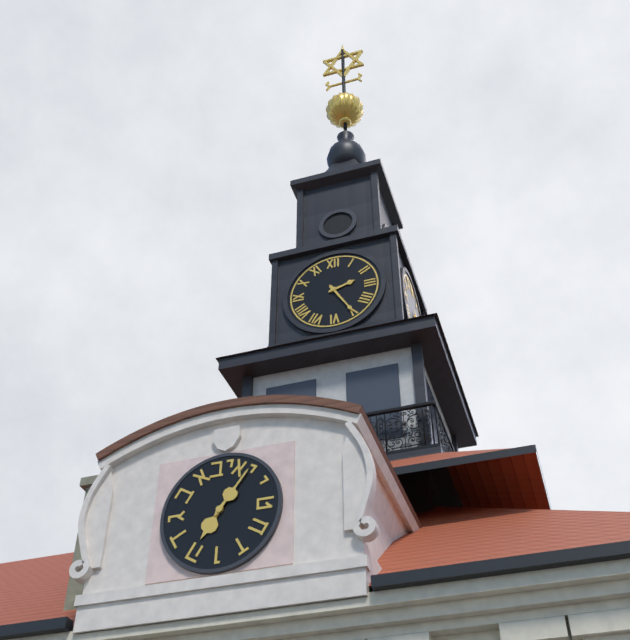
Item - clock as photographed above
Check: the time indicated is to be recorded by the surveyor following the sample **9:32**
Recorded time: **2:25**
